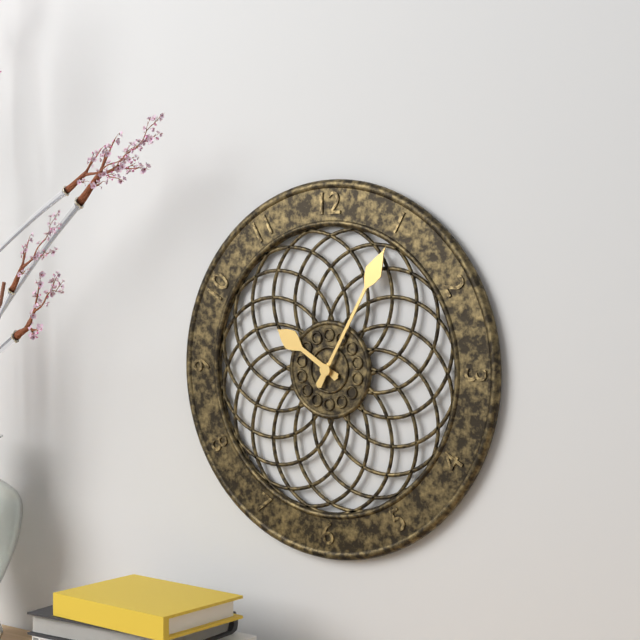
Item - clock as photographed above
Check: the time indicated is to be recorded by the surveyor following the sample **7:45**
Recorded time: **10:05**
